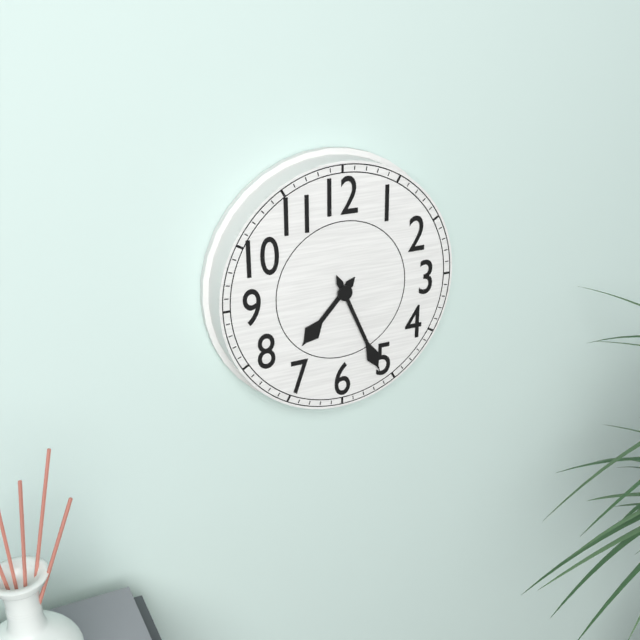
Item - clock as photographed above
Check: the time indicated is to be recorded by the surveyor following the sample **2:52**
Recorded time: **7:26**
